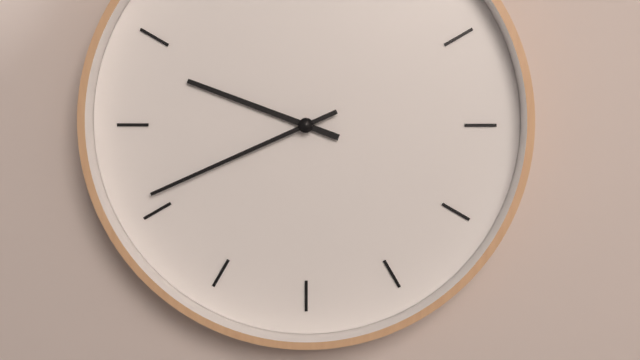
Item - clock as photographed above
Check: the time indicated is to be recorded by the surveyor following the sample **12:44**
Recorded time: **9:41**
